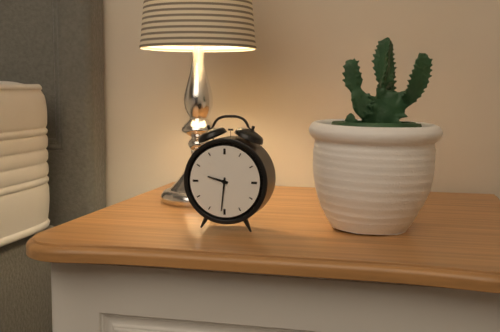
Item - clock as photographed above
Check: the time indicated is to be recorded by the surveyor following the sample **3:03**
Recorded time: **9:31**
